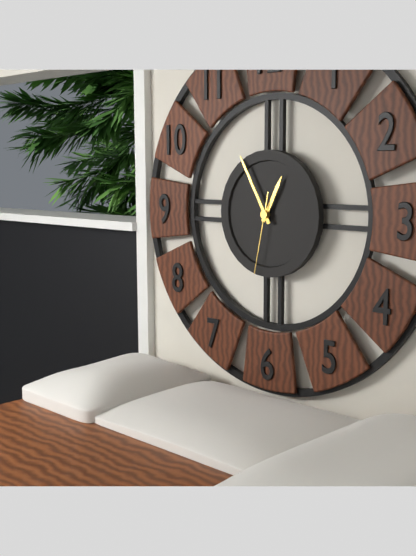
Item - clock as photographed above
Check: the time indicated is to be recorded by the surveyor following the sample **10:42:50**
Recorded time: **12:55:32**
